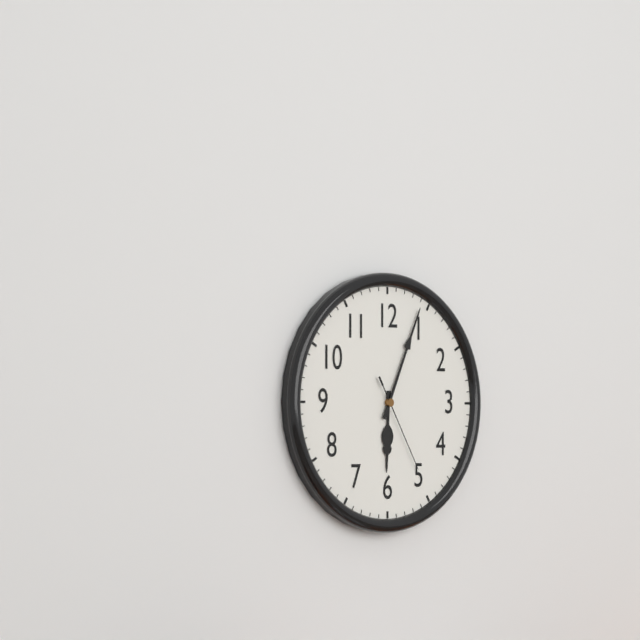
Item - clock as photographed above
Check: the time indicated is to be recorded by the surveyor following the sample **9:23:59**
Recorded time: **6:04:25**
